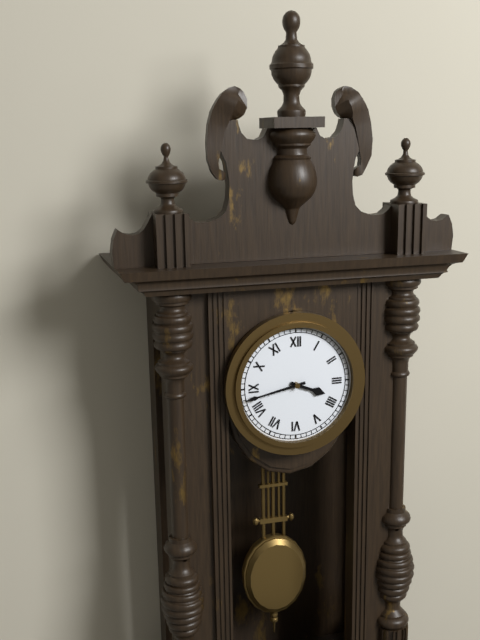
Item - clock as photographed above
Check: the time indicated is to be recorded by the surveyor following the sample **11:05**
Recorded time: **3:43**
